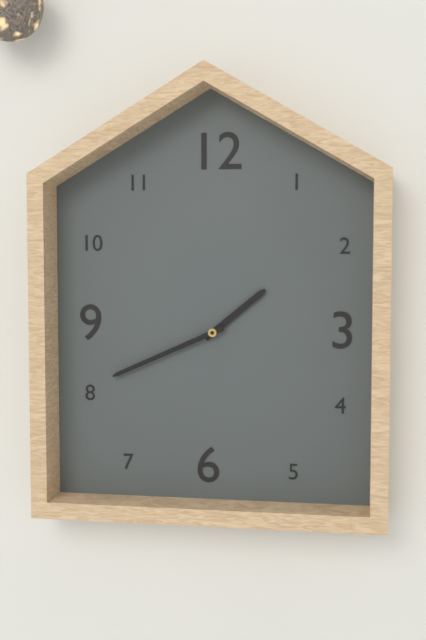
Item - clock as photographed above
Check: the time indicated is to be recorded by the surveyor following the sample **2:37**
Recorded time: **1:41**
